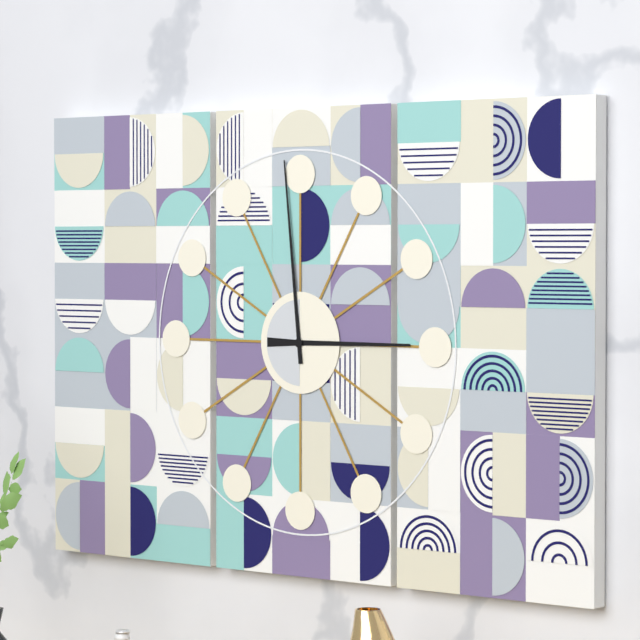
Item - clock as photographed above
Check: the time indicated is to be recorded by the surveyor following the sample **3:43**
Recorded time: **2:59**
